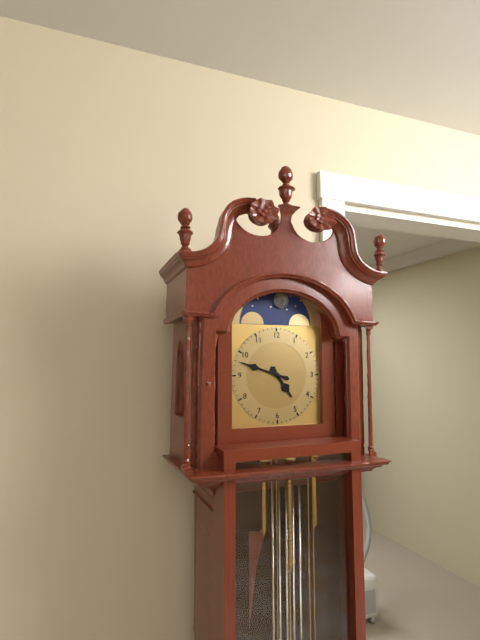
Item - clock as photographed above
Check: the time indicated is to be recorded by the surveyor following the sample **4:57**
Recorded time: **4:48**
